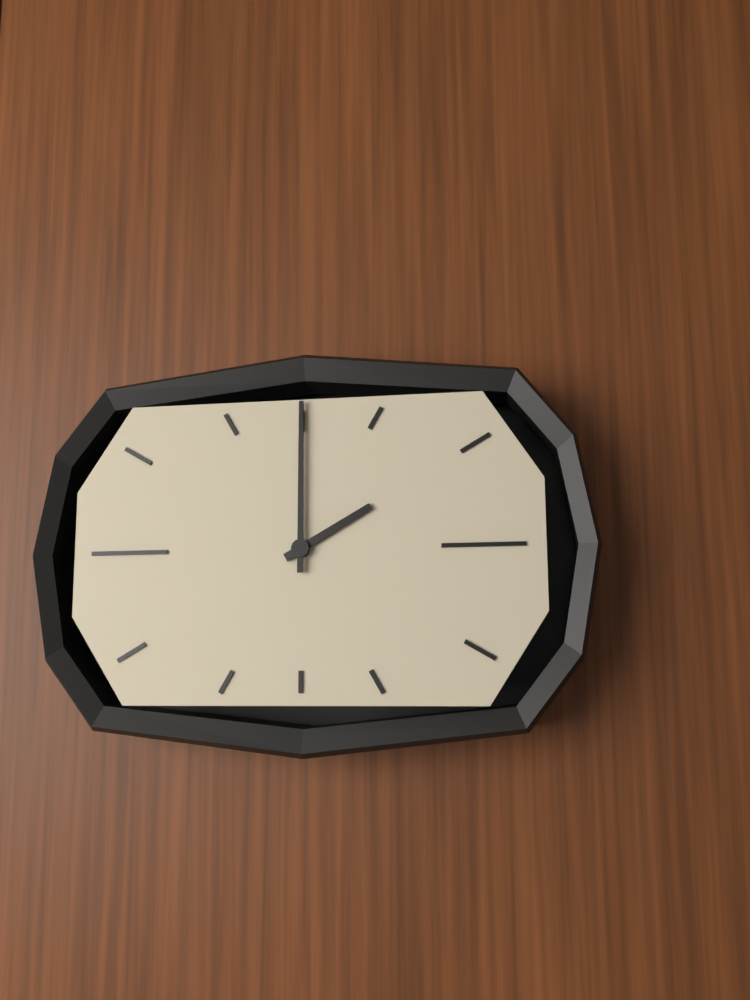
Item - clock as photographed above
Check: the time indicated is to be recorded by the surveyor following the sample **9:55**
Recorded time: **2:00**
